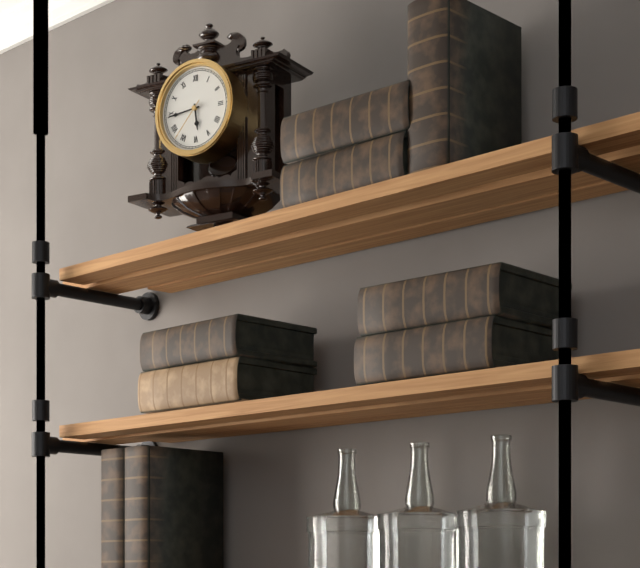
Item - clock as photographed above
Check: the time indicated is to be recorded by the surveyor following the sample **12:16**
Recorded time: **5:44**
